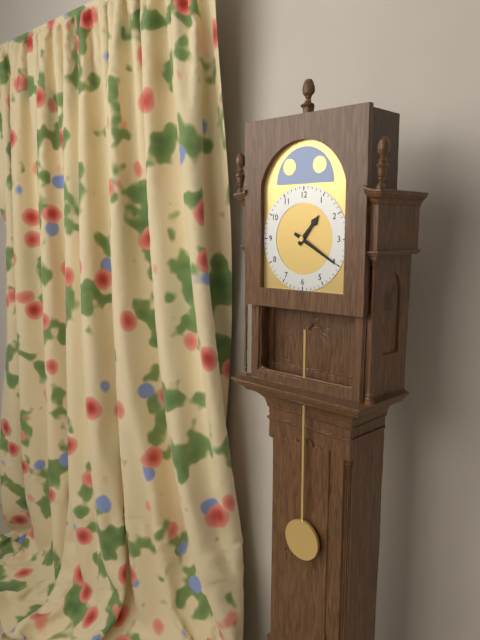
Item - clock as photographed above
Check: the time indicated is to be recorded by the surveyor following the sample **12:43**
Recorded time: **1:20**
